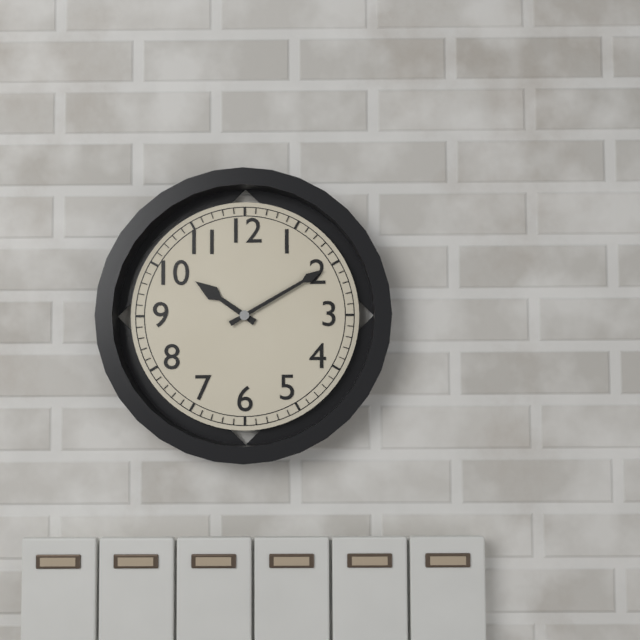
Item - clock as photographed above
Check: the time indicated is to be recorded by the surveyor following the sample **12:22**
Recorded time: **10:10**
